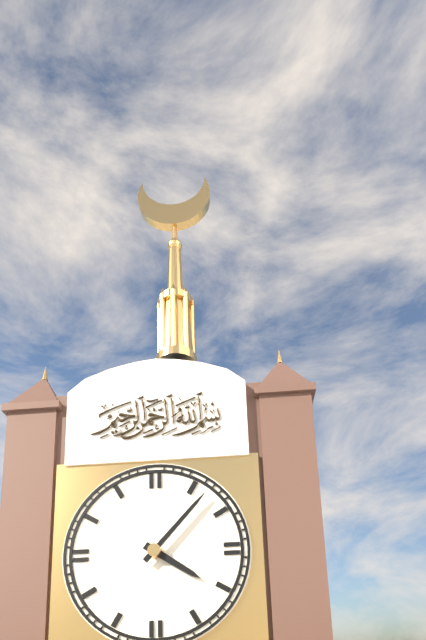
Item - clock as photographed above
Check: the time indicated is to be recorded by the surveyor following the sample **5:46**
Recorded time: **4:07**
